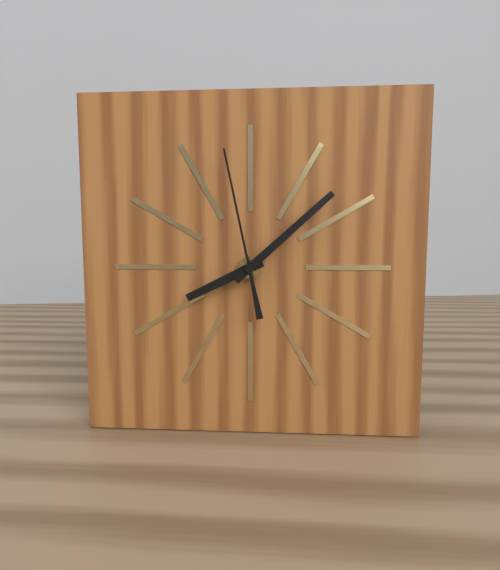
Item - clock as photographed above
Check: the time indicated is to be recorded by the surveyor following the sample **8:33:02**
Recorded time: **8:08:58**
